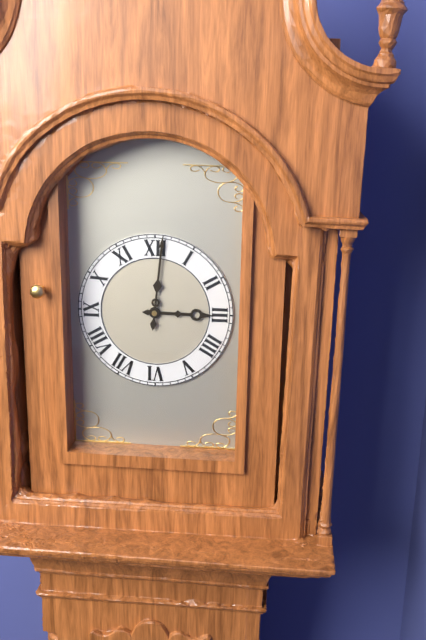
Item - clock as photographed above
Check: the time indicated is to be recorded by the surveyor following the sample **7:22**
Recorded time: **3:01**
